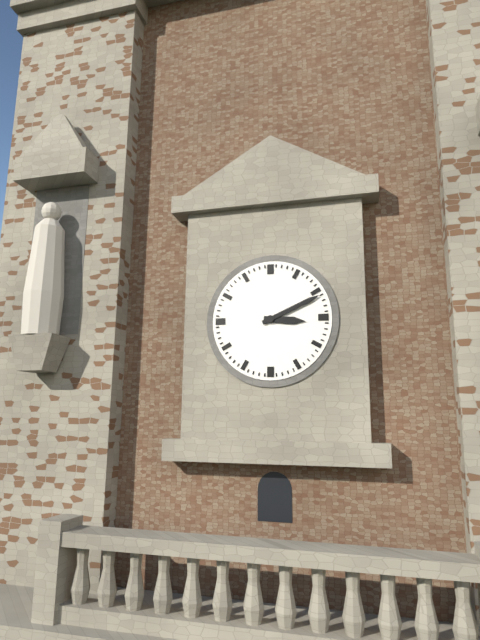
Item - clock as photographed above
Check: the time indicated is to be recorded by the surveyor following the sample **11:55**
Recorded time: **3:11**
